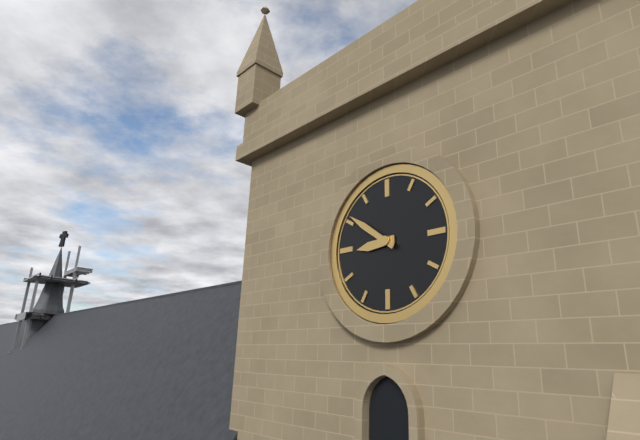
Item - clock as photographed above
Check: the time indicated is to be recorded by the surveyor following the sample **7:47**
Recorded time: **8:51**
